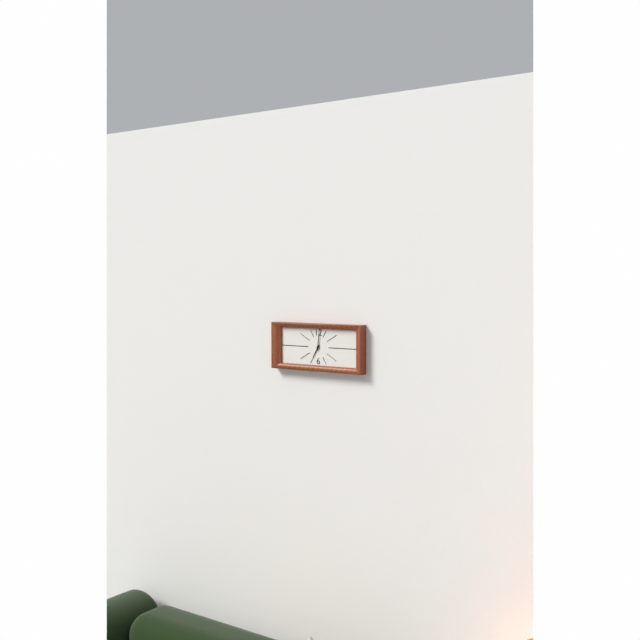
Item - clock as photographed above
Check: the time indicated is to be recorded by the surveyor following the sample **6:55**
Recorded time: **7:01**
